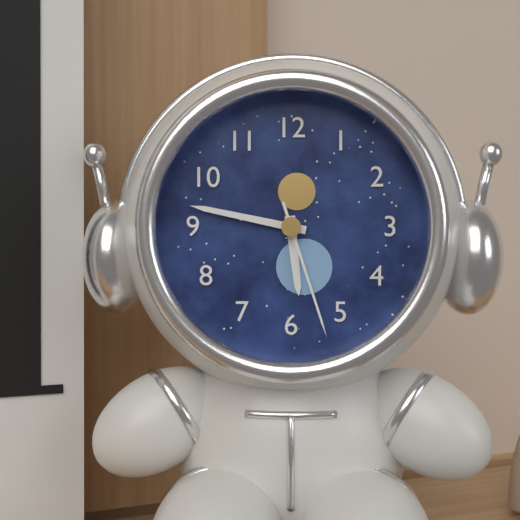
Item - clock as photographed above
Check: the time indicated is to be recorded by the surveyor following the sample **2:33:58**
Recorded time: **5:47:27**
